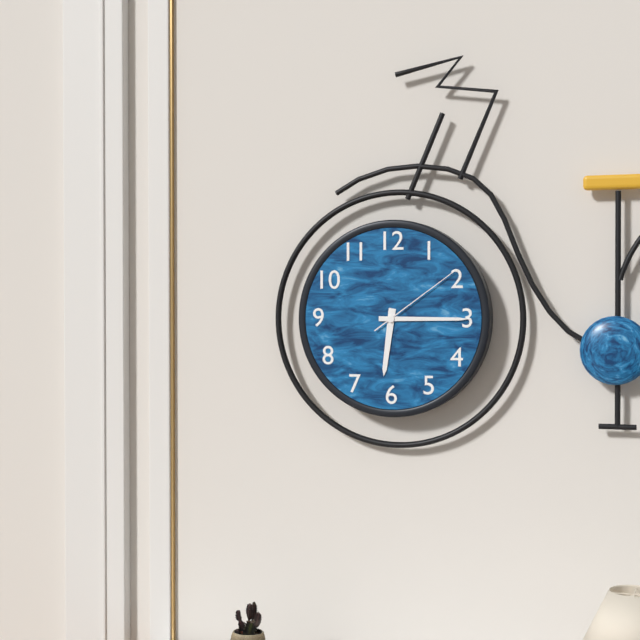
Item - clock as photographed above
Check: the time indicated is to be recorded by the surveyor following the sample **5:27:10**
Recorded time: **6:15:09**
